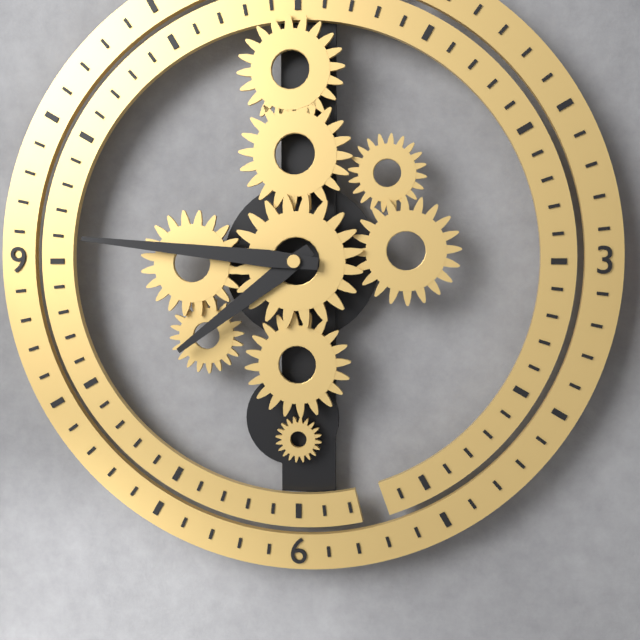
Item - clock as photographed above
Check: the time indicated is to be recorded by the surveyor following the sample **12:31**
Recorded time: **7:46**
